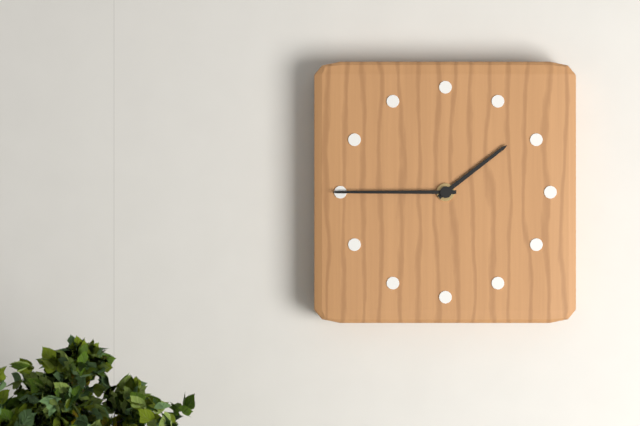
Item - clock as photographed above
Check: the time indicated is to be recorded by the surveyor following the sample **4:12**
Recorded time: **1:45**
